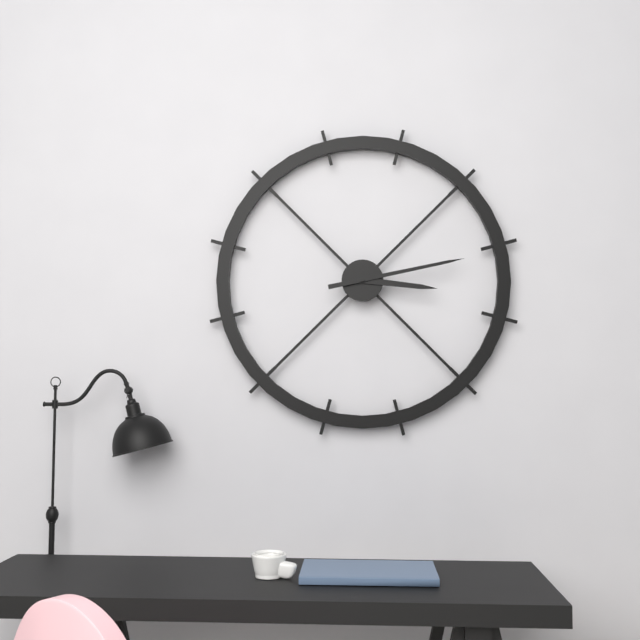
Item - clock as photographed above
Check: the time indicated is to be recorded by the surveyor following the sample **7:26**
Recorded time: **3:13**
